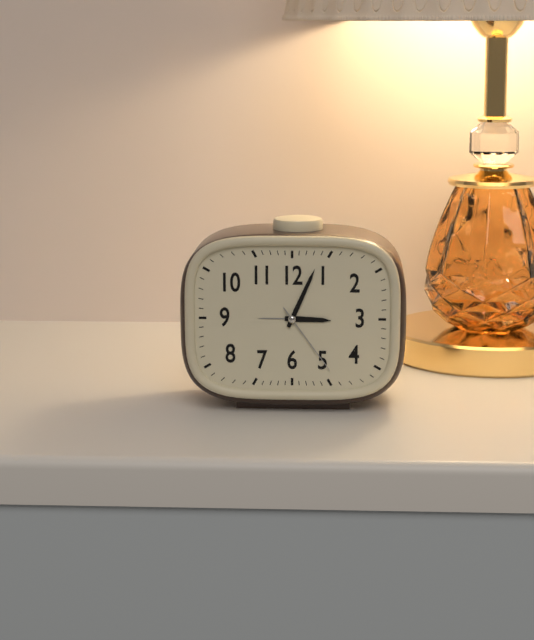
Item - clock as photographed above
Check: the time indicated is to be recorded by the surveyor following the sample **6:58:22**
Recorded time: **3:04:24**
